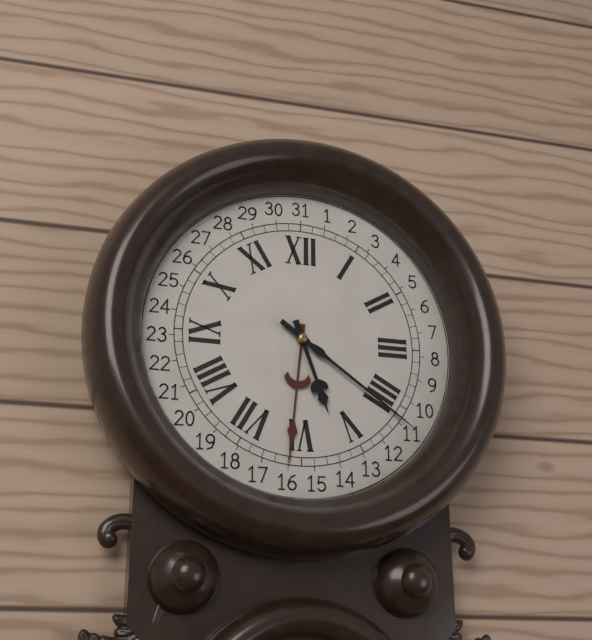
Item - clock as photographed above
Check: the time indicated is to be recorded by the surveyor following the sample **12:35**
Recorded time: **5:21**
